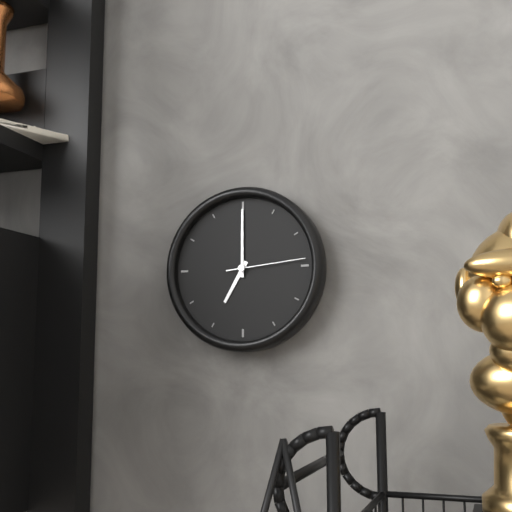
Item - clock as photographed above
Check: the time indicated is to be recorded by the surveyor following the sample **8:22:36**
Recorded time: **7:00:14**
